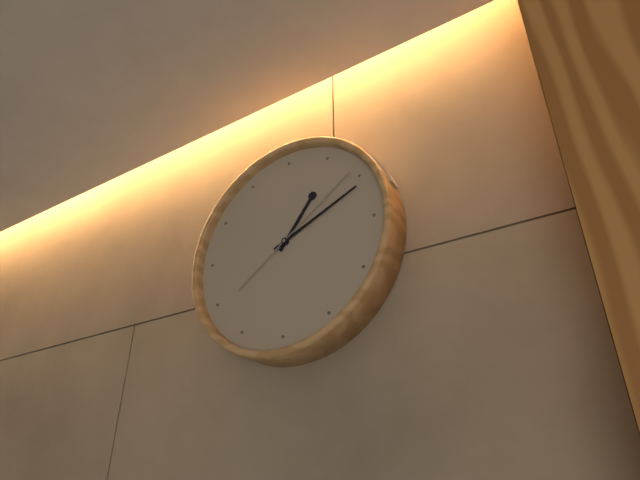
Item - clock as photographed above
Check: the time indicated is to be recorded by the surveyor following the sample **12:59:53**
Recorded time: **1:11:09**
